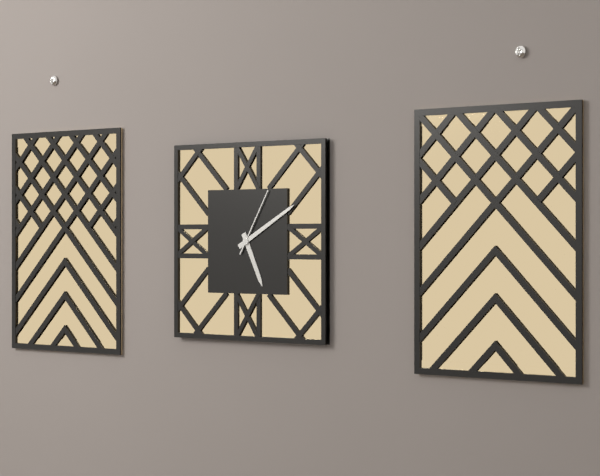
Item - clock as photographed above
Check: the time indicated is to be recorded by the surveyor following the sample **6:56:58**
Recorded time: **5:10:05**
